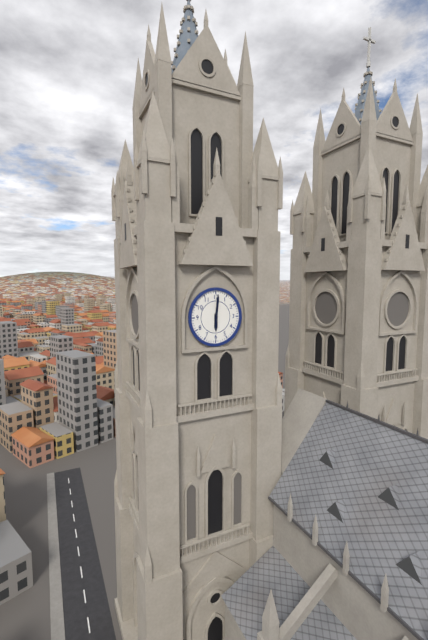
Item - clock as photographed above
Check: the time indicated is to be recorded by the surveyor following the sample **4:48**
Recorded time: **6:01**
